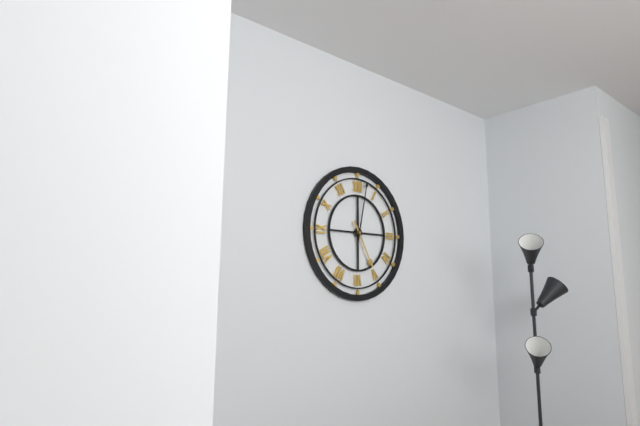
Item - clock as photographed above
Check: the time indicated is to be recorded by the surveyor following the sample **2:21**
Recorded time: **5:02**
